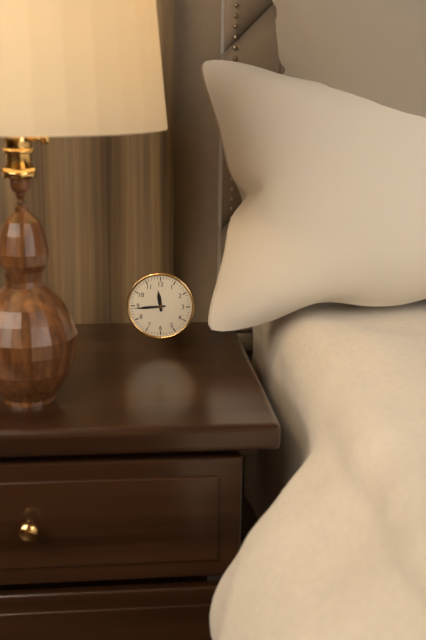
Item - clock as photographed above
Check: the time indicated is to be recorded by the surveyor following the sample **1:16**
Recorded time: **11:44**
